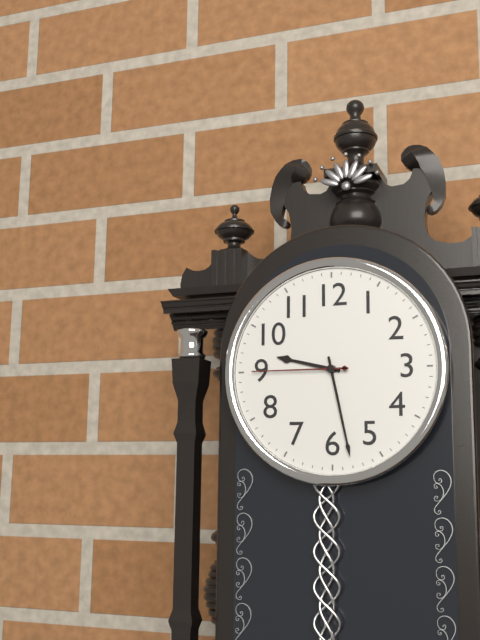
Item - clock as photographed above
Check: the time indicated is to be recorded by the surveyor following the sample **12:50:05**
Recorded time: **9:28:45**
